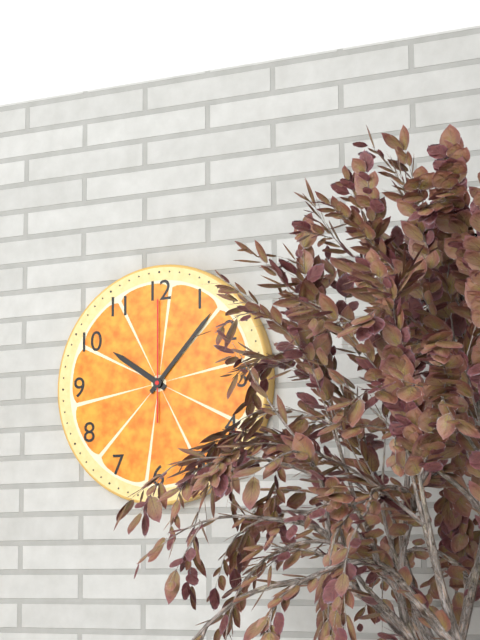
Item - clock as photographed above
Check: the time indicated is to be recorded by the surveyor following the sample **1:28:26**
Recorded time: **10:07:00**
